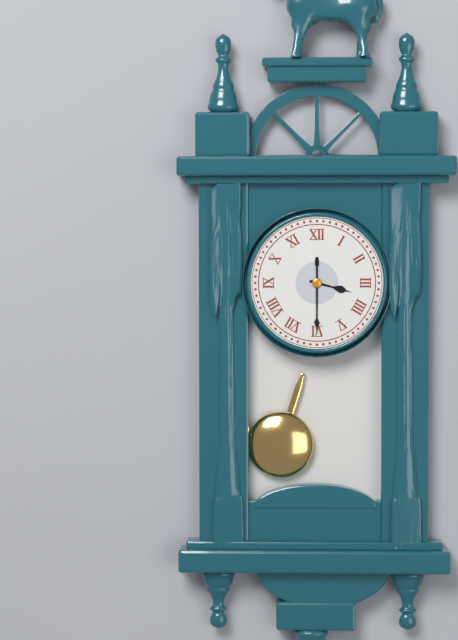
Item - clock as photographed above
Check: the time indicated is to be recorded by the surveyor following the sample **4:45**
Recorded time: **3:30**
